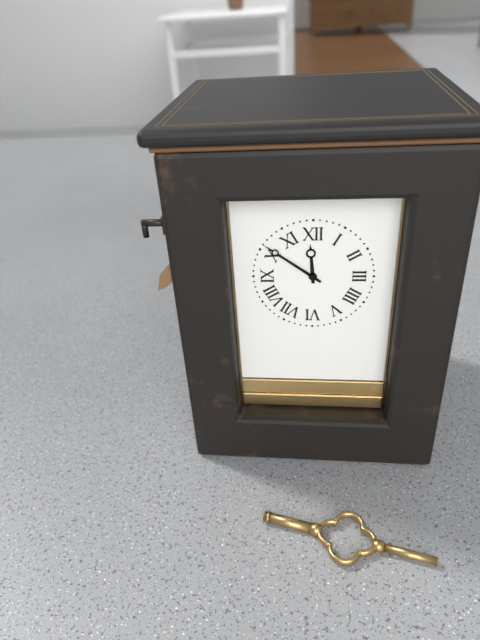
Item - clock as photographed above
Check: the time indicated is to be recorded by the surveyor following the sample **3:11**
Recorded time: **11:51**
